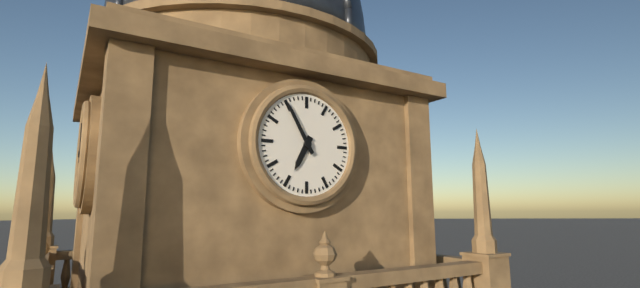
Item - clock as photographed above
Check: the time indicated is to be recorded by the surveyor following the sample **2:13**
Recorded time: **6:55**
